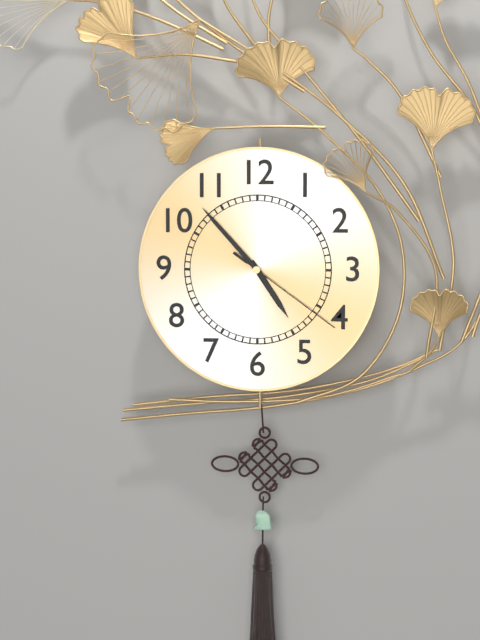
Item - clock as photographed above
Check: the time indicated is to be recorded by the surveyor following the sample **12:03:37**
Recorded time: **4:53:21**
